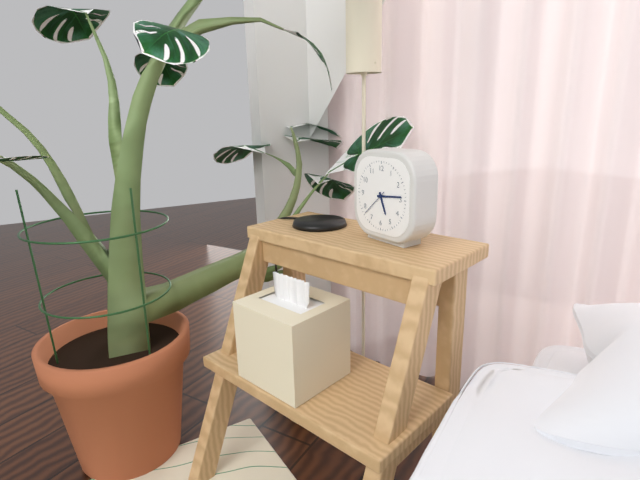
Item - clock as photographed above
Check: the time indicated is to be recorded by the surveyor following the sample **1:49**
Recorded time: **5:14**
